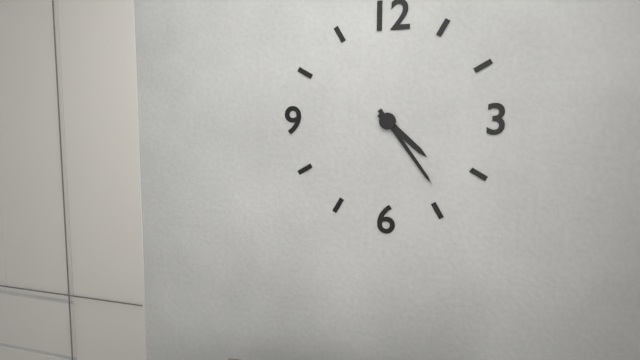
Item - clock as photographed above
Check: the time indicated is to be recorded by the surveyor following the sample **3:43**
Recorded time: **4:24**
